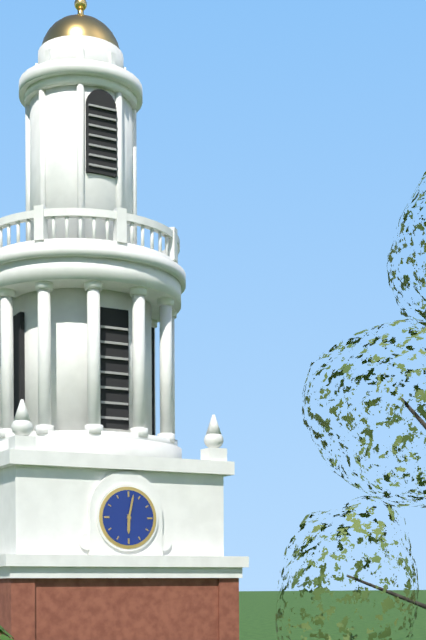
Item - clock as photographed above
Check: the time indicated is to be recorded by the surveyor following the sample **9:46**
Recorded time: **6:02**
